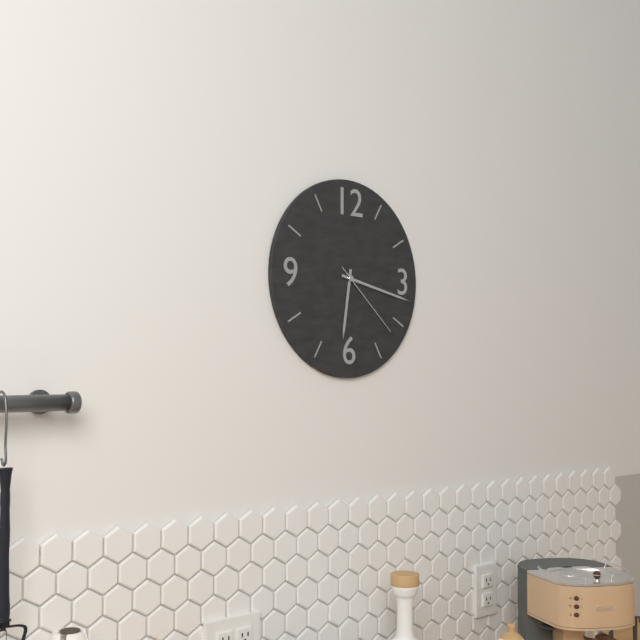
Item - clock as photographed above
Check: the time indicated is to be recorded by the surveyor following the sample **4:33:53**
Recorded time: **6:17:22**
